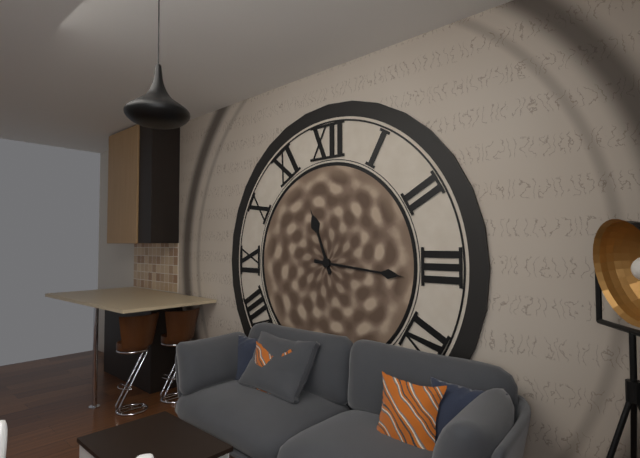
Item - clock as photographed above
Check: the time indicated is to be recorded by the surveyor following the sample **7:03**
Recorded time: **11:16**
